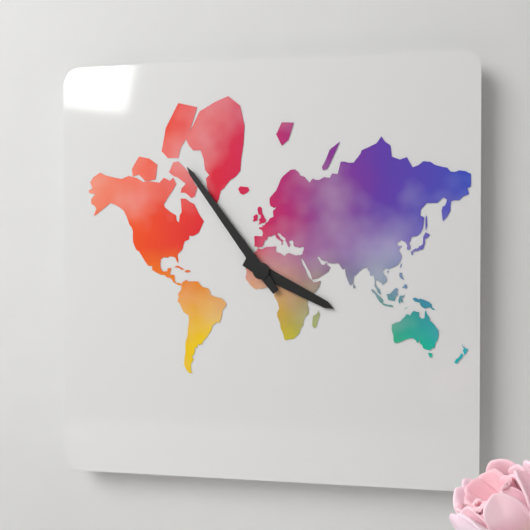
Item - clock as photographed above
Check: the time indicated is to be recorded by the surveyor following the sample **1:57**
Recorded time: **3:54**
